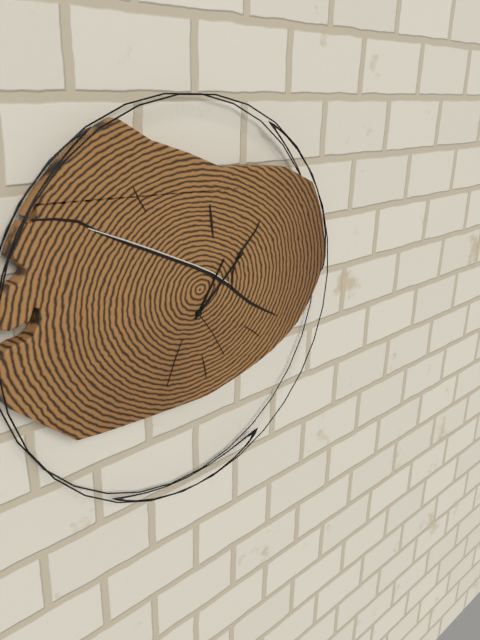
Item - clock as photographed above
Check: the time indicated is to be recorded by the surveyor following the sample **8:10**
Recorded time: **1:08**
